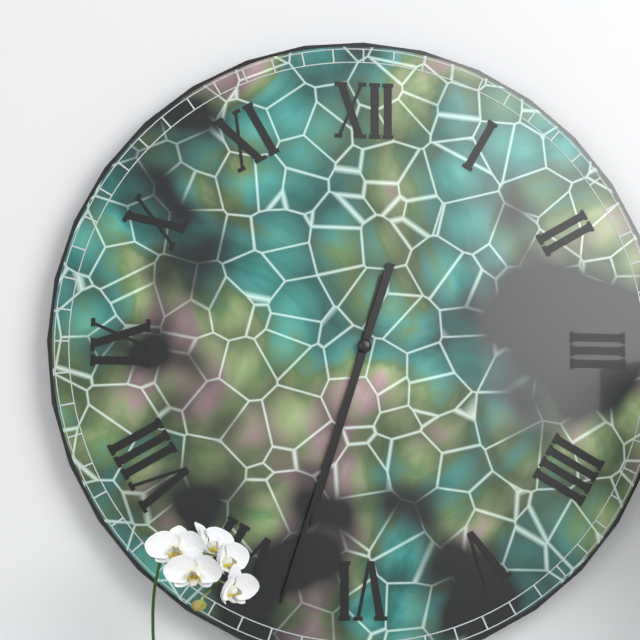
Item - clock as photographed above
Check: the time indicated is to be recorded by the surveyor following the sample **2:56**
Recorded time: **6:33**
